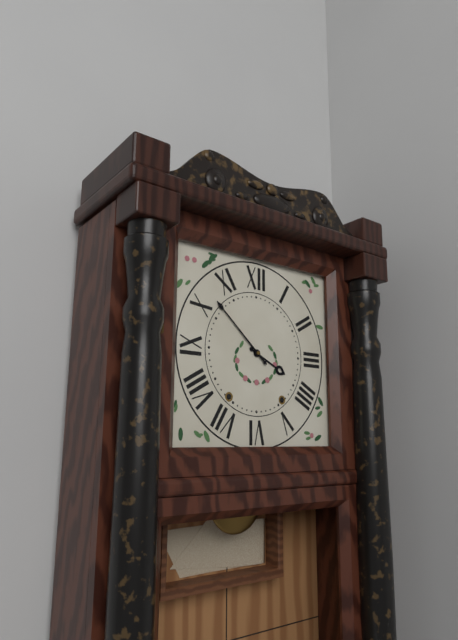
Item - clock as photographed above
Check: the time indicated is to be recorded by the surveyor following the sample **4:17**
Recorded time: **3:52**
